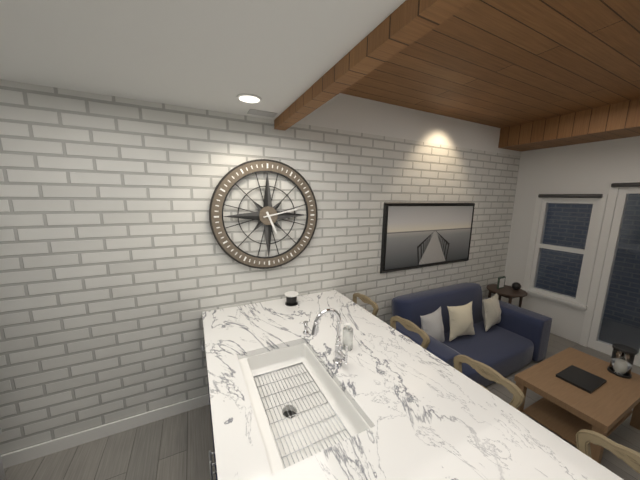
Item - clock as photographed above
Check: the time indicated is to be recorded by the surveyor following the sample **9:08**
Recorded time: **5:13**
